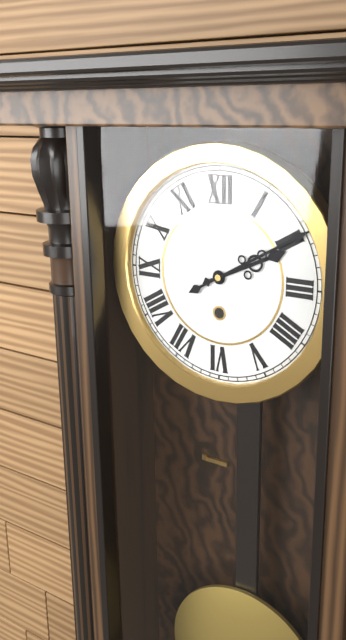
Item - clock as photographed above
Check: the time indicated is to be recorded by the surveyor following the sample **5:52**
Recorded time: **2:10**
